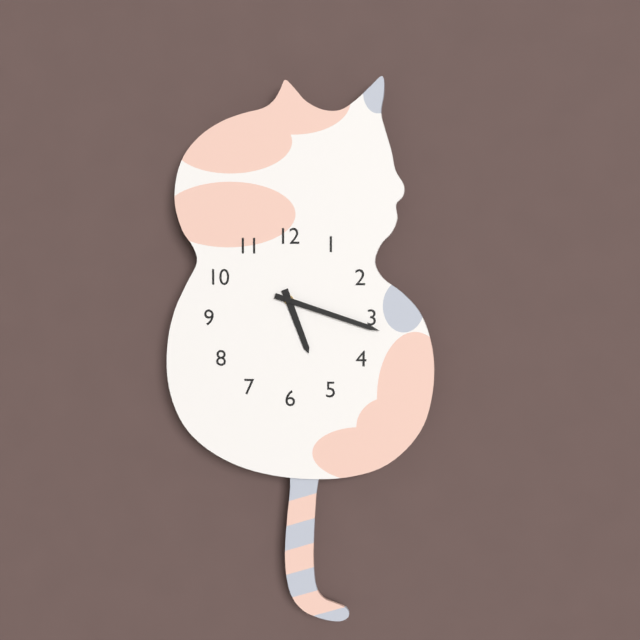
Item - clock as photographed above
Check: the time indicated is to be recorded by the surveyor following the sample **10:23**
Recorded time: **5:18**
